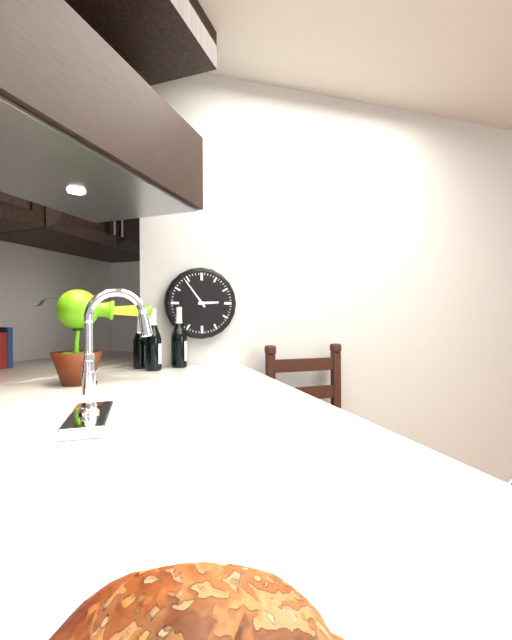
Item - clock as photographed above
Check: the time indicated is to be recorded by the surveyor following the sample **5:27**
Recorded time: **2:54**
